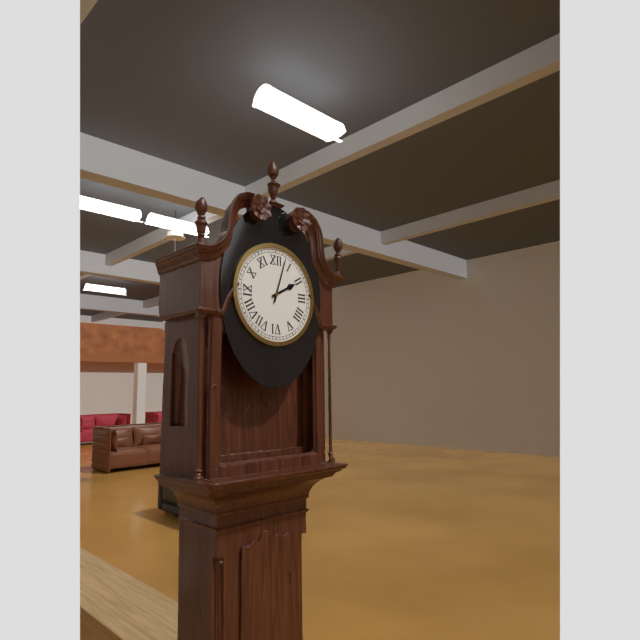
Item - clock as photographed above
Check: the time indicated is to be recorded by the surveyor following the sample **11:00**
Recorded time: **2:03**
